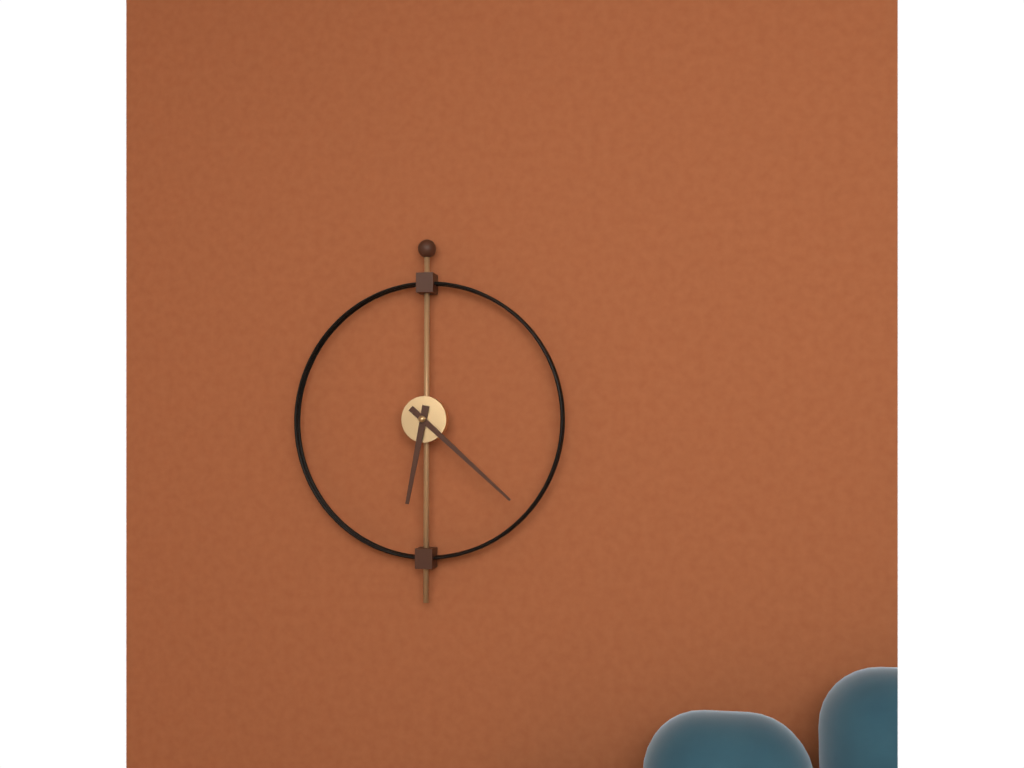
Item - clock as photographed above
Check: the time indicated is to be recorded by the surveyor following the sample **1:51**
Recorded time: **6:22**
